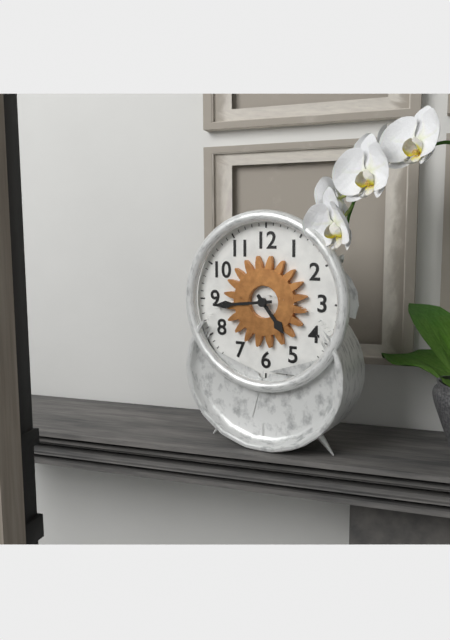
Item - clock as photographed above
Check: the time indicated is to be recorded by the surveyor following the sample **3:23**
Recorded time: **4:44**
